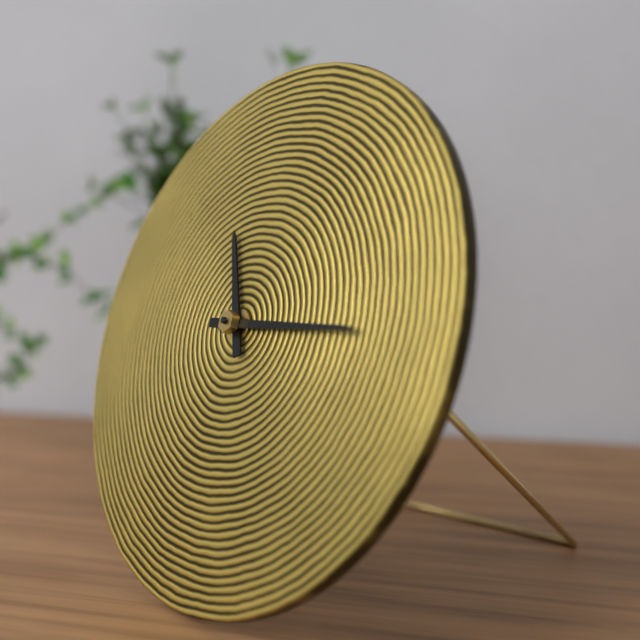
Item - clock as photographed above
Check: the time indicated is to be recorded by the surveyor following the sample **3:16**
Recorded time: **11:15**
